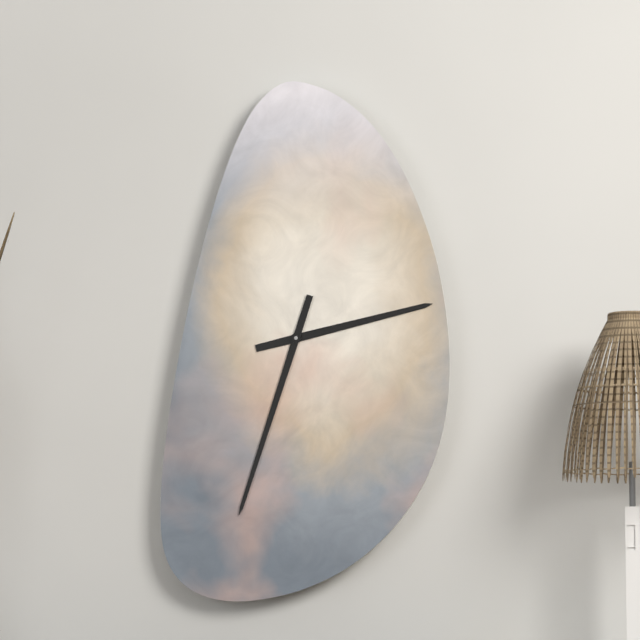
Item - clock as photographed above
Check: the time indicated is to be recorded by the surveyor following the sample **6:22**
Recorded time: **2:33**
